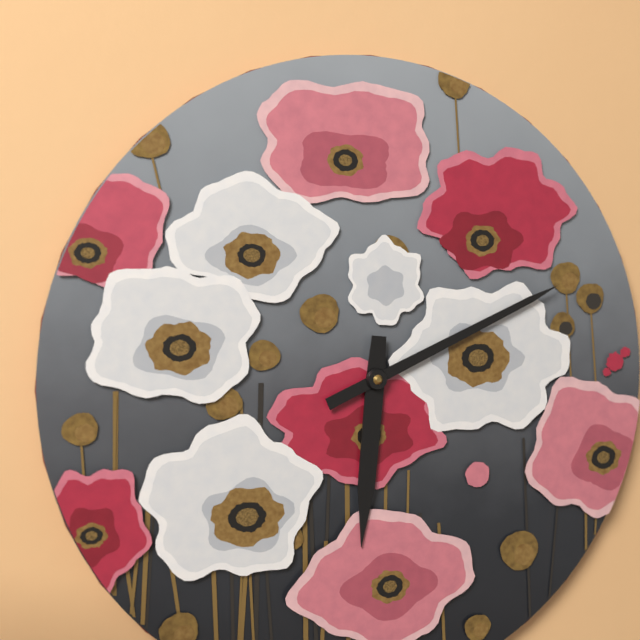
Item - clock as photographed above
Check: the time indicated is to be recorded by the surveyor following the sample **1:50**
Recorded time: **6:11**
